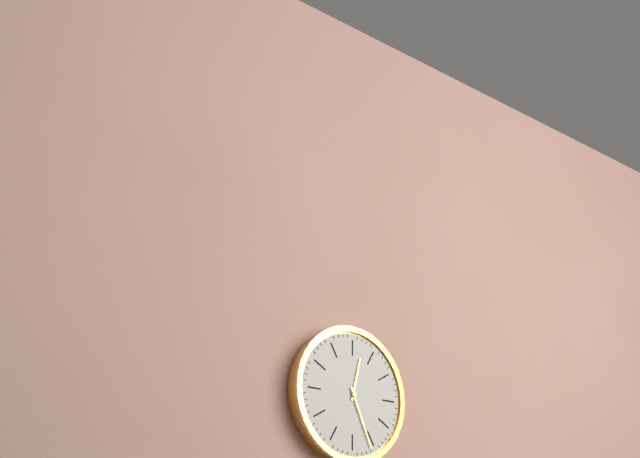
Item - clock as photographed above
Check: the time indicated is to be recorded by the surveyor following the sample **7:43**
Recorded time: **12:26**
